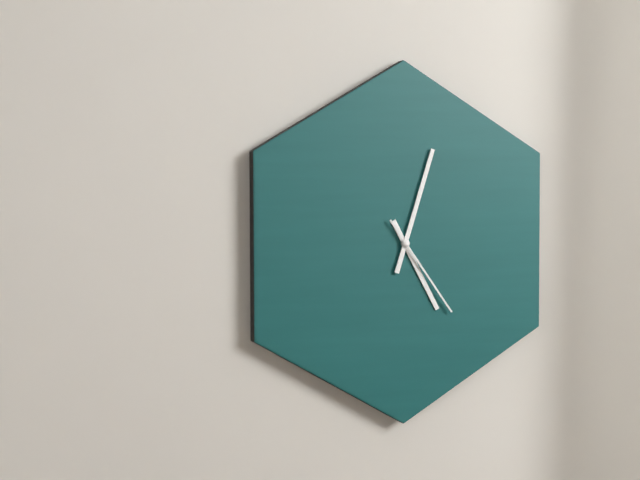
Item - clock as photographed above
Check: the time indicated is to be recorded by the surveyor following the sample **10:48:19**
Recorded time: **5:03:24**
